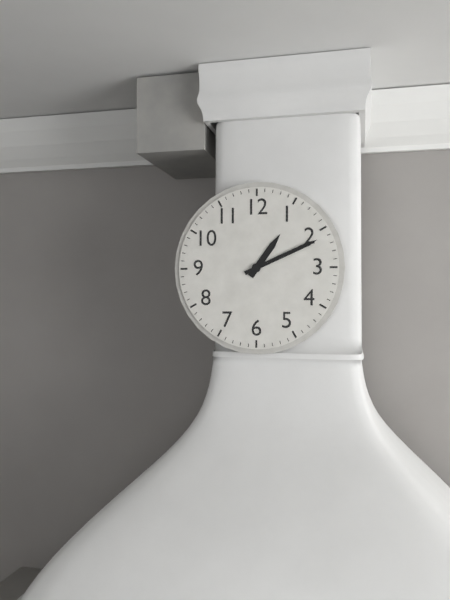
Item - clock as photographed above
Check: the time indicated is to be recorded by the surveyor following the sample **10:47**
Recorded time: **1:11**
